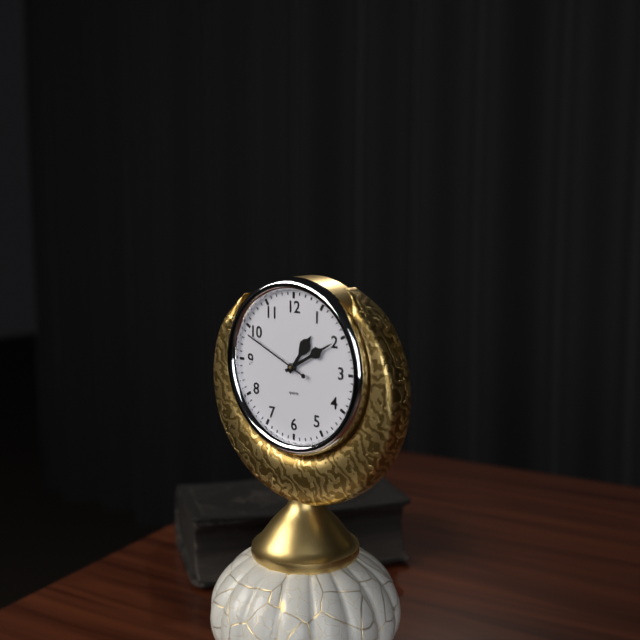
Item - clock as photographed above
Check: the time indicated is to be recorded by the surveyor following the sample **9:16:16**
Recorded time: **1:10:49**
